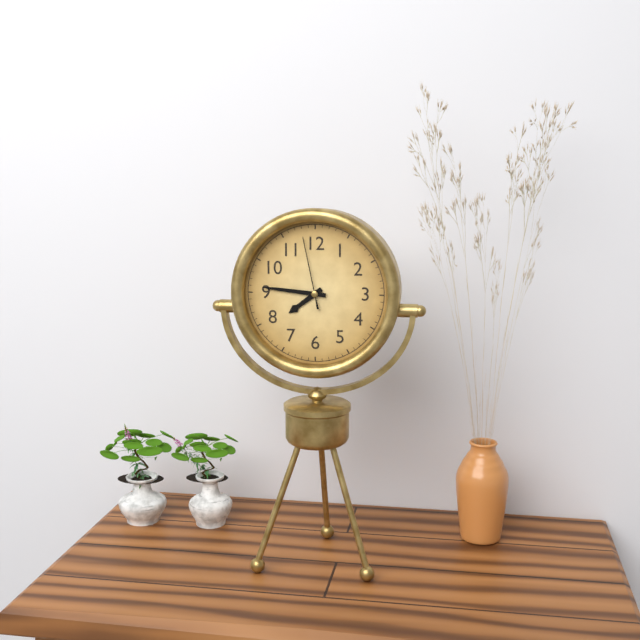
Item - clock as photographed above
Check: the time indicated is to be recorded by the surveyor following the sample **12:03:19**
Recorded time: **7:46:58**
